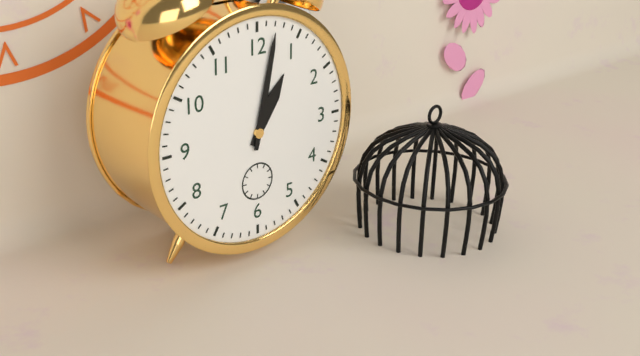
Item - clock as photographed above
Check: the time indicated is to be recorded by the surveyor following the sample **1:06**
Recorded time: **1:02**
